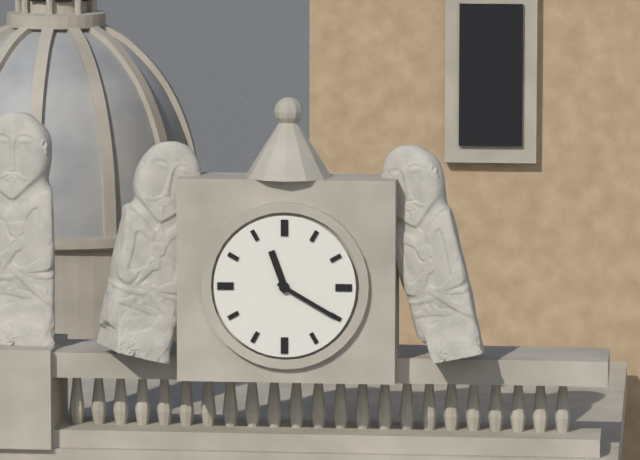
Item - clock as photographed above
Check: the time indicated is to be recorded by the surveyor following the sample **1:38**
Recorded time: **11:20**
